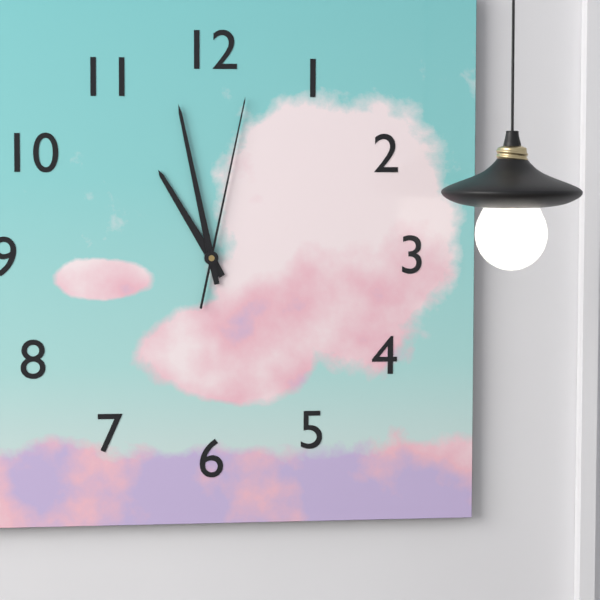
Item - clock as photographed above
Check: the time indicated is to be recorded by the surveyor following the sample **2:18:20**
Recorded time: **10:58:02**
